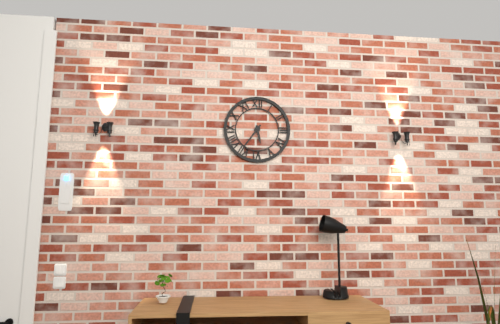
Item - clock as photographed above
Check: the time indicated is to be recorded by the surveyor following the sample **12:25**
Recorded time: **5:36**
